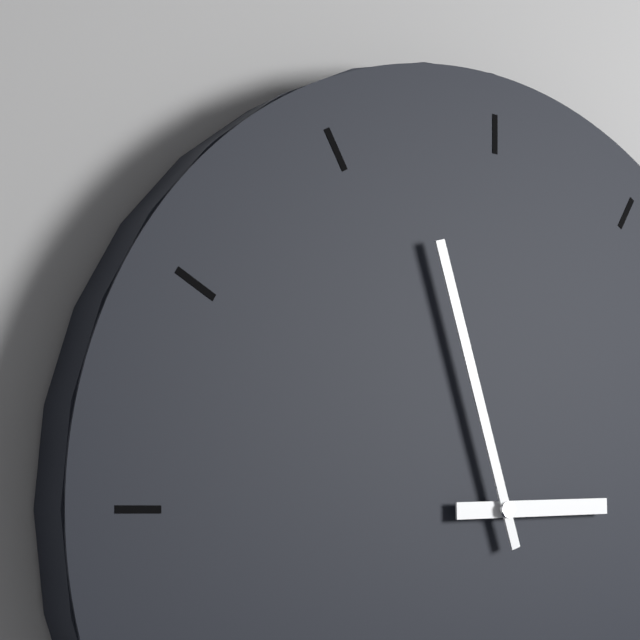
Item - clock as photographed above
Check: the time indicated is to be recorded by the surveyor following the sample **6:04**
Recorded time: **2:57**
